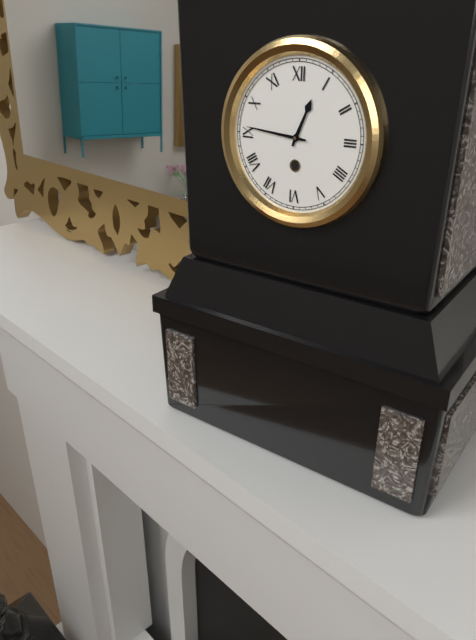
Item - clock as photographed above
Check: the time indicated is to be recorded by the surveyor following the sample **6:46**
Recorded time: **12:46**
